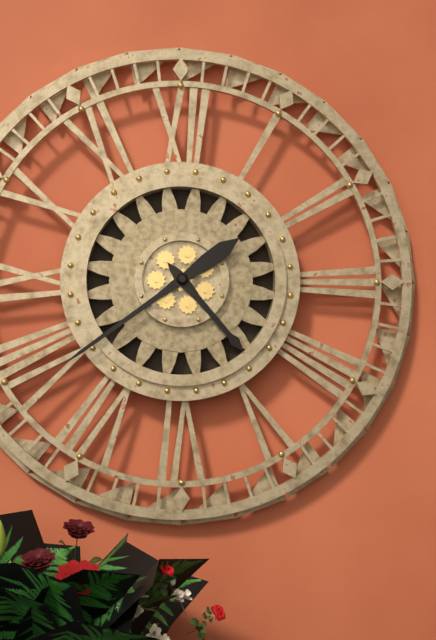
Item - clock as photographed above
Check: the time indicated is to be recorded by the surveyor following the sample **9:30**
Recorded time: **4:39**
